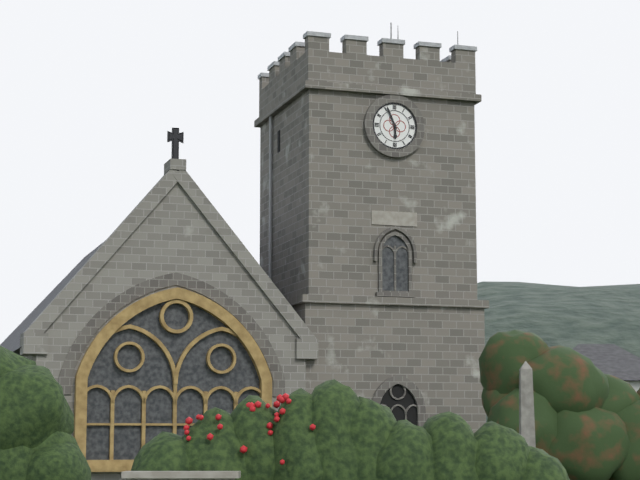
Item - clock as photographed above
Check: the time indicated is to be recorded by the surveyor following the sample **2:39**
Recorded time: **5:56**
